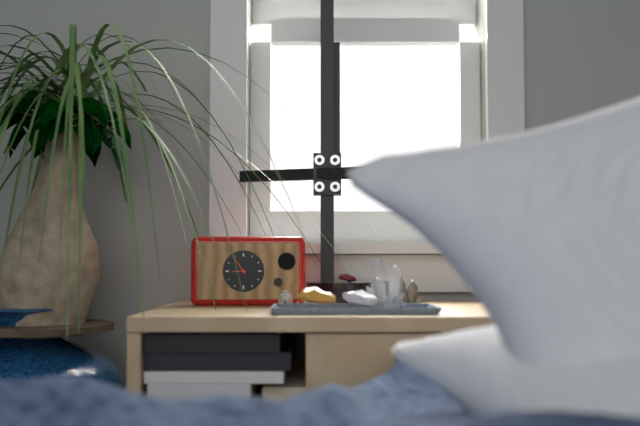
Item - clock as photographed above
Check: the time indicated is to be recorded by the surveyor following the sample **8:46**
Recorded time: **8:54**
